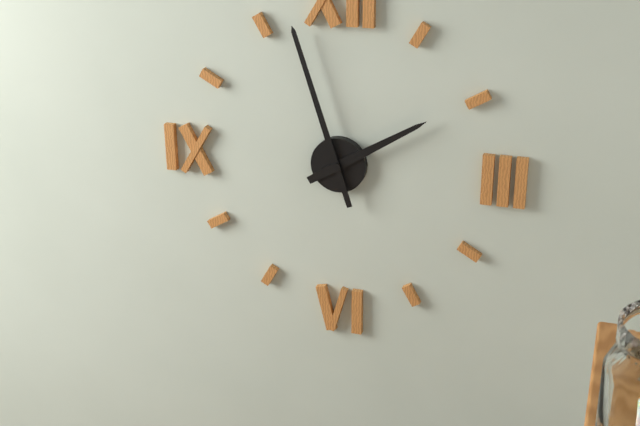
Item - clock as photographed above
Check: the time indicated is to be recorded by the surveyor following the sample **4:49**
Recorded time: **1:57**
